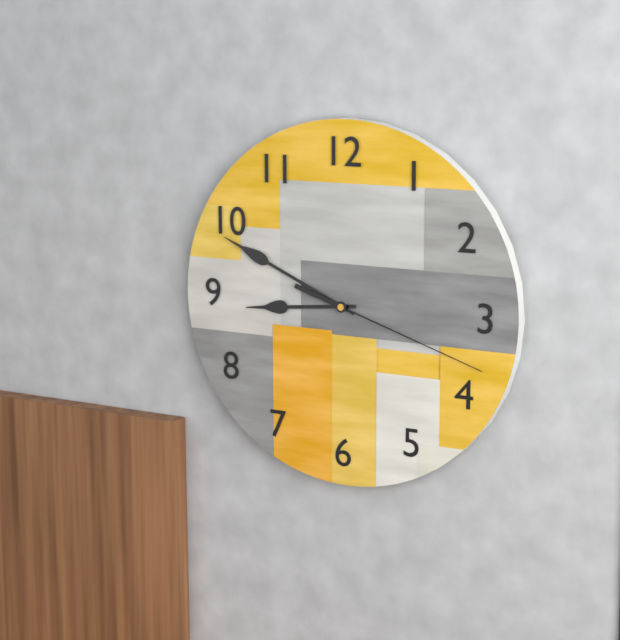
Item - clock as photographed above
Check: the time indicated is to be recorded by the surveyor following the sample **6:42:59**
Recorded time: **8:49:18**
